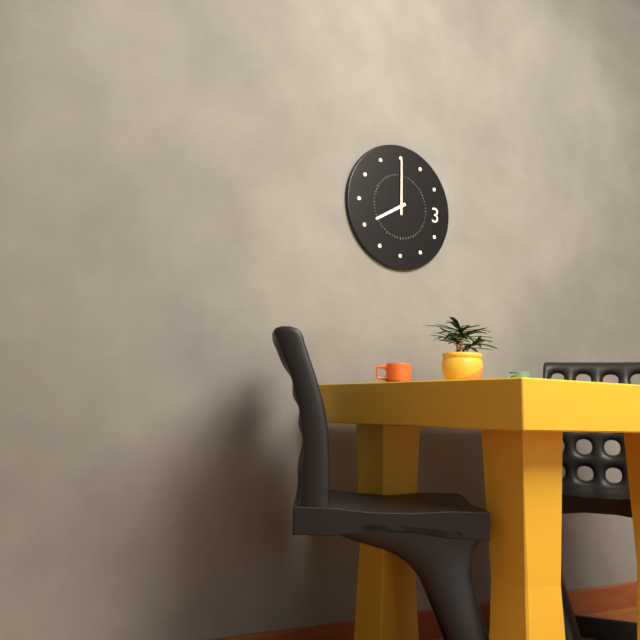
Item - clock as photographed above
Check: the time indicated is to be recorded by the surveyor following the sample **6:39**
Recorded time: **8:00**
